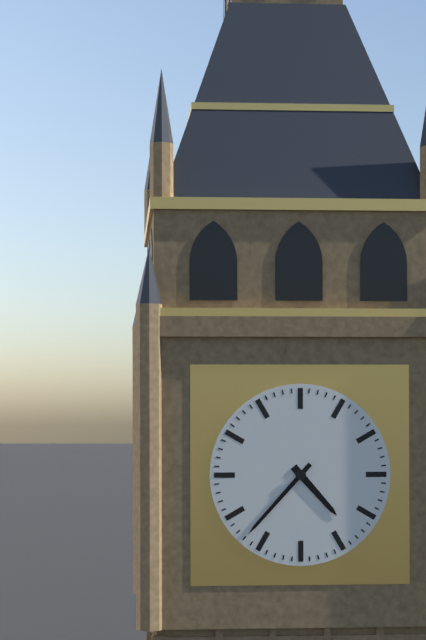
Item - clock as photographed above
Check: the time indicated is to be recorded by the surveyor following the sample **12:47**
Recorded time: **4:37**
